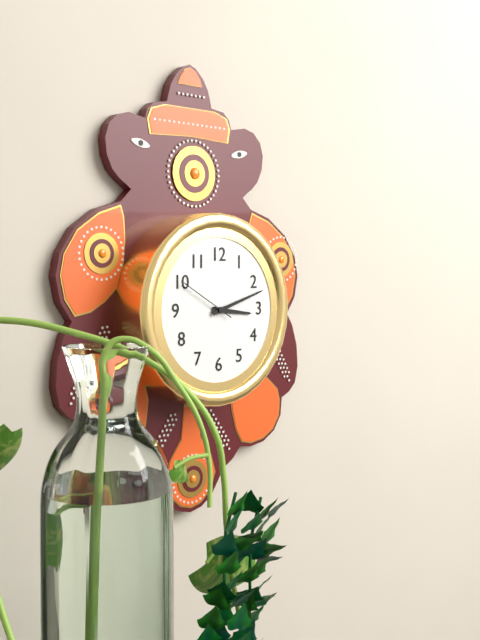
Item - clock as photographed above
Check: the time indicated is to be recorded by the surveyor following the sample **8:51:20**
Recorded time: **3:12:50**
